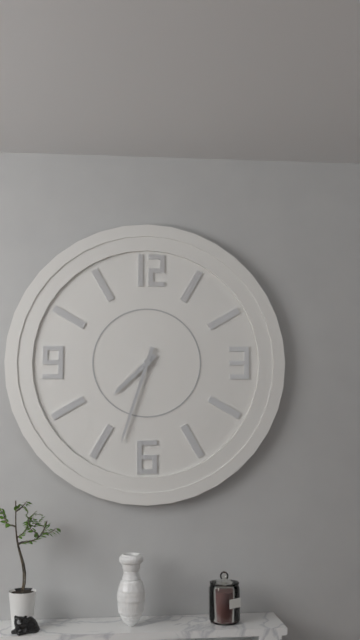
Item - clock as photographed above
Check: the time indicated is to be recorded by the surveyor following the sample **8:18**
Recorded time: **7:33**
